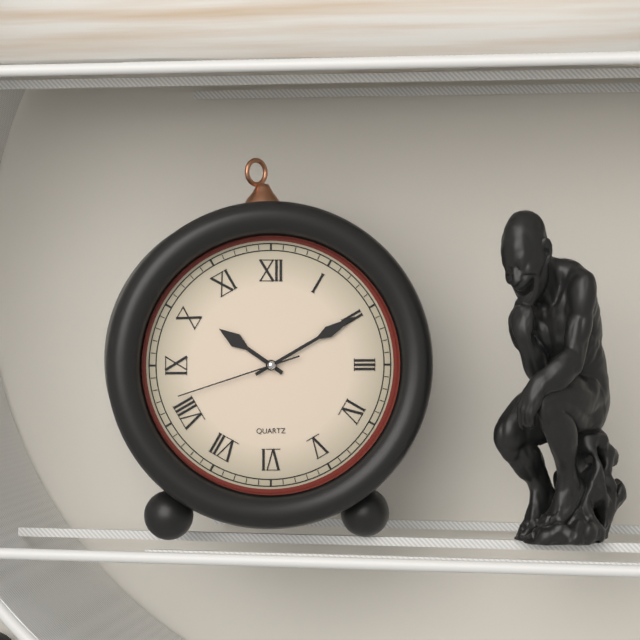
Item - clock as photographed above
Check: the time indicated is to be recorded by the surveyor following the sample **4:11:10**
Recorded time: **10:10:42**
